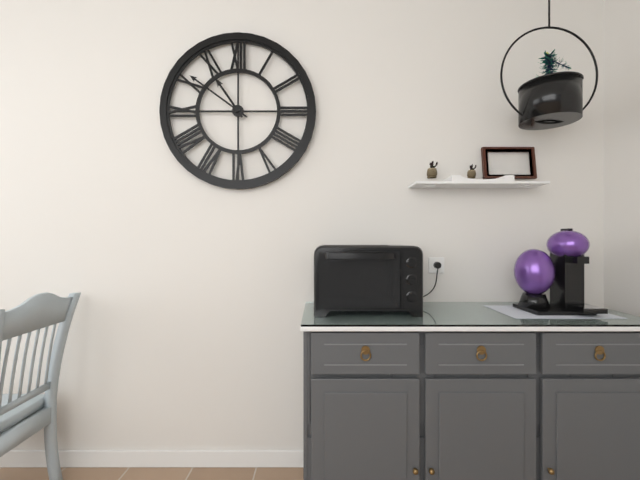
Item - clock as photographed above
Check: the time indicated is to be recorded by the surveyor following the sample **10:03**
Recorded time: **10:51**
